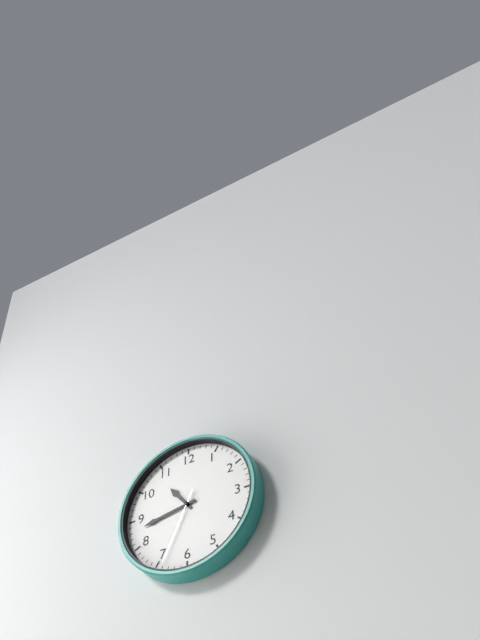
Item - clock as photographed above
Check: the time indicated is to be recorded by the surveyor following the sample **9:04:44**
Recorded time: **10:43:34**
